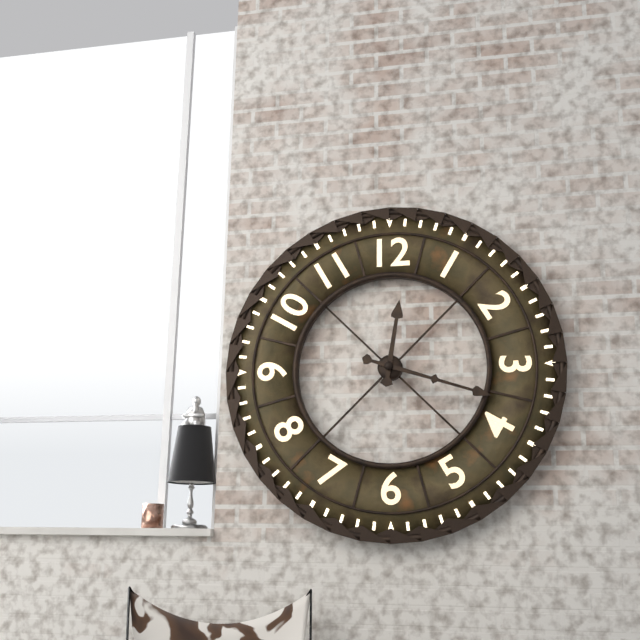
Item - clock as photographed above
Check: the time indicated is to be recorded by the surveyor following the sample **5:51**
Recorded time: **12:18**
